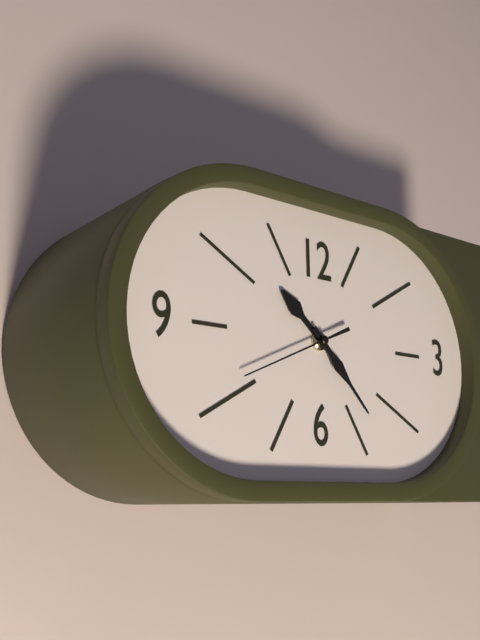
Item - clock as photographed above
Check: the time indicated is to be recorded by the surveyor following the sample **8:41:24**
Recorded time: **10:23:41**
